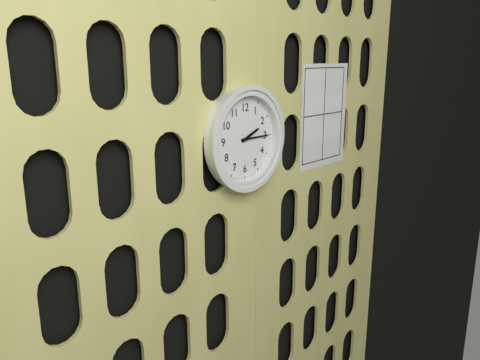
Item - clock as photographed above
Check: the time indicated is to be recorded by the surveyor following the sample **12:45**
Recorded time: **2:15**
